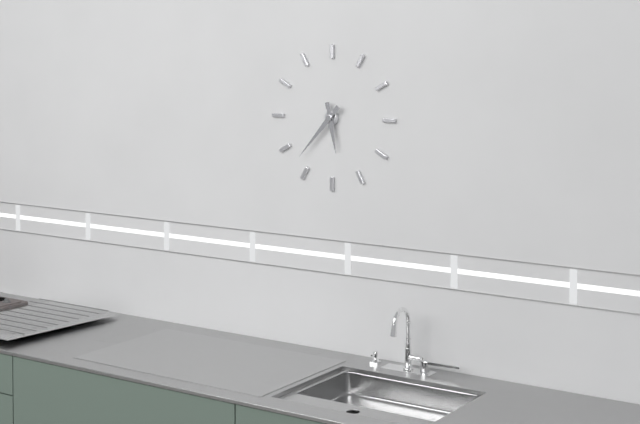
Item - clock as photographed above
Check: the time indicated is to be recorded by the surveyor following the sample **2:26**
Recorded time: **5:37**
